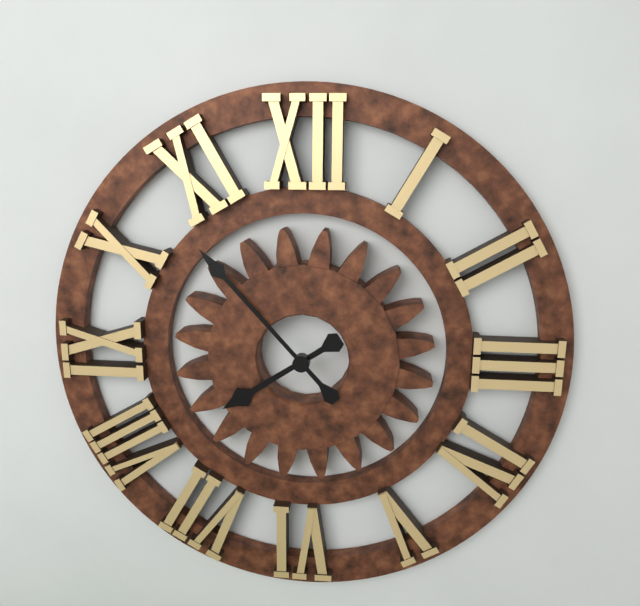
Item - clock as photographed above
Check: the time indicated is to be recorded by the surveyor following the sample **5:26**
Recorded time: **7:53**
